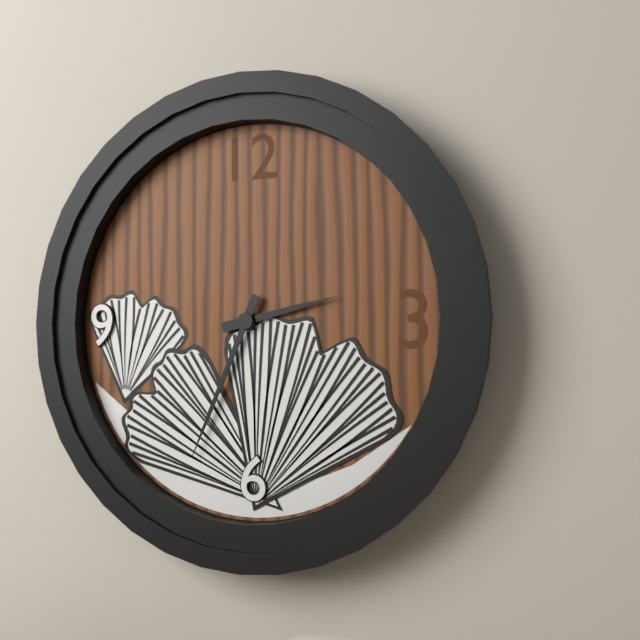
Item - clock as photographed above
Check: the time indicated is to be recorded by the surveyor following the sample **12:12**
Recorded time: **2:34**
